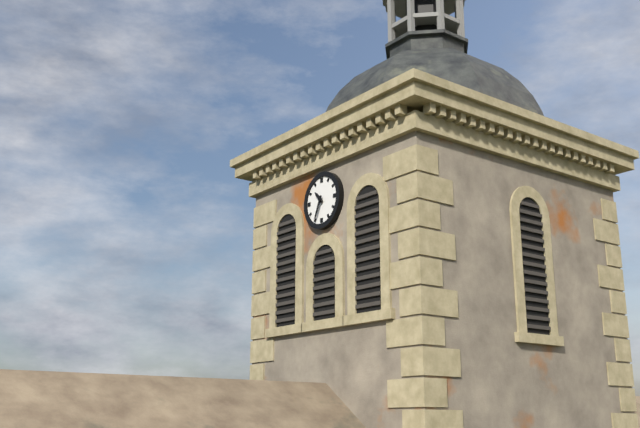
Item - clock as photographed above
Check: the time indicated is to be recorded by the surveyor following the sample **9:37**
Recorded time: **10:34**
